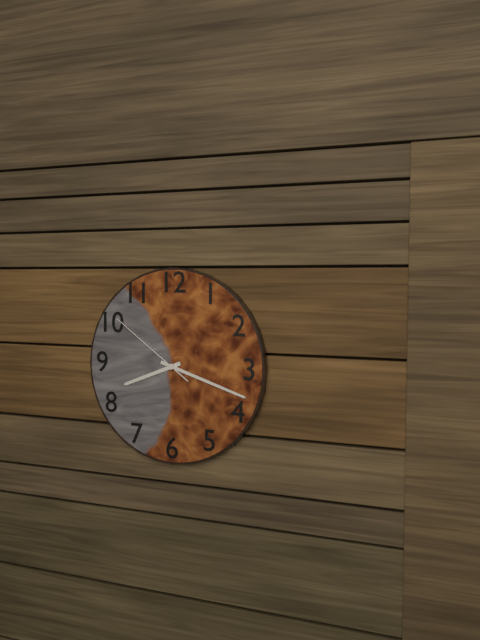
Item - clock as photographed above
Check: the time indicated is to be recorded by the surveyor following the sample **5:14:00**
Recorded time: **8:18:51**
